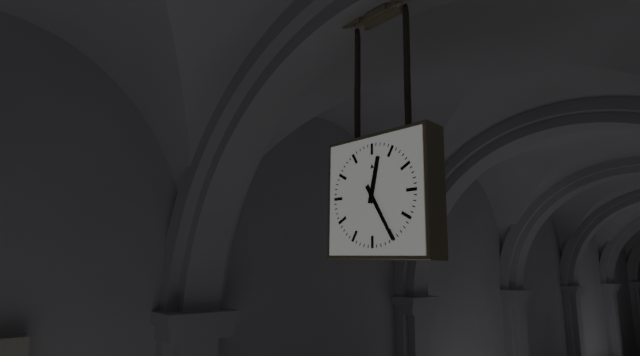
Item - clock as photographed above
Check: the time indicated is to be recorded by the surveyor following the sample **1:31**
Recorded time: **12:25**
